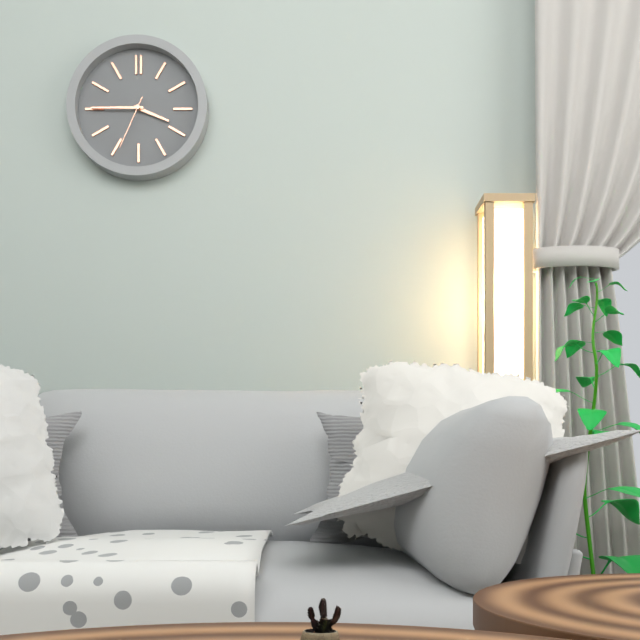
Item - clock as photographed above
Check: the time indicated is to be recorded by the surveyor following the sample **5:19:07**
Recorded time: **3:45:34**
